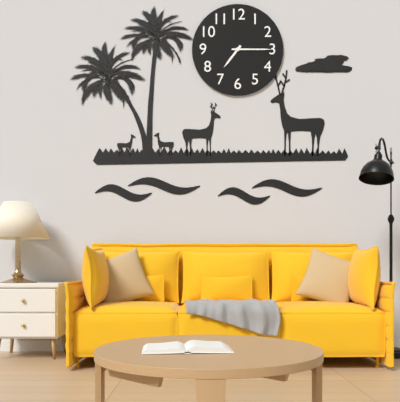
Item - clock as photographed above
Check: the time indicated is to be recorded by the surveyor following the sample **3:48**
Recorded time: **7:15**
